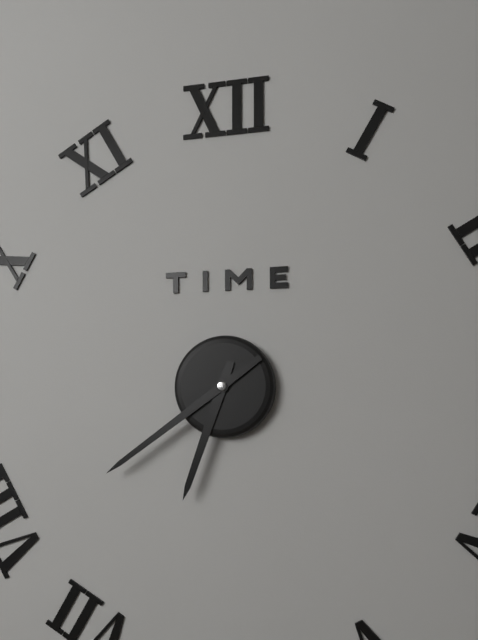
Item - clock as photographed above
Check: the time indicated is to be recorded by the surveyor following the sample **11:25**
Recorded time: **6:39**
